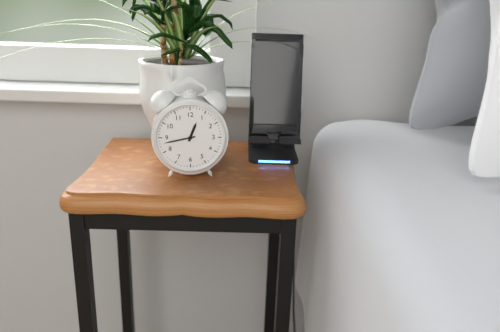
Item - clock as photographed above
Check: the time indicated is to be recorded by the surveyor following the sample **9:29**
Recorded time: **12:43**
